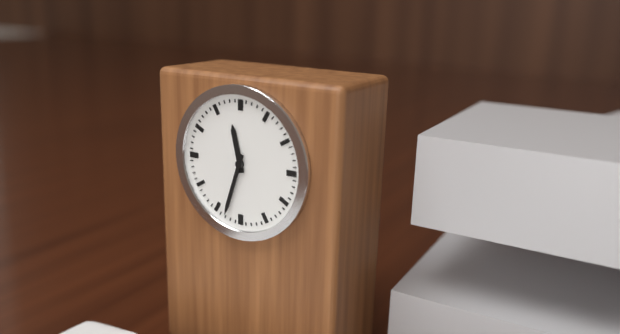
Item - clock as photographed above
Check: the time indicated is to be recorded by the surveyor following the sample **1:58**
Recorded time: **11:33**
